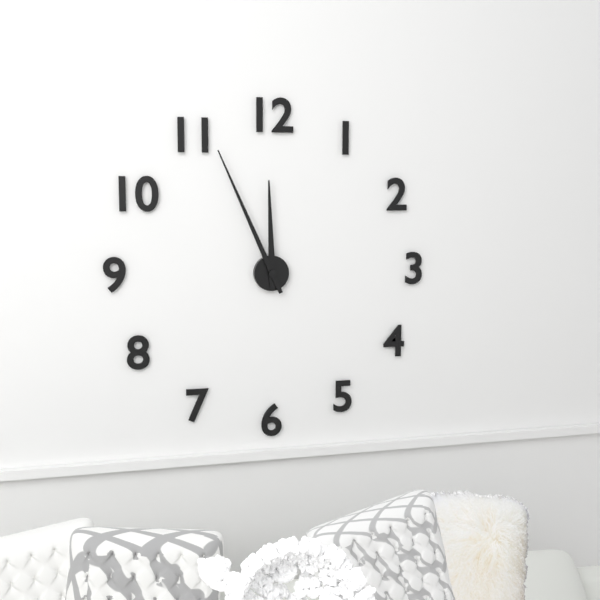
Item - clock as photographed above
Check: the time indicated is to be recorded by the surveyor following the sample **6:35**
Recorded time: **11:56**
